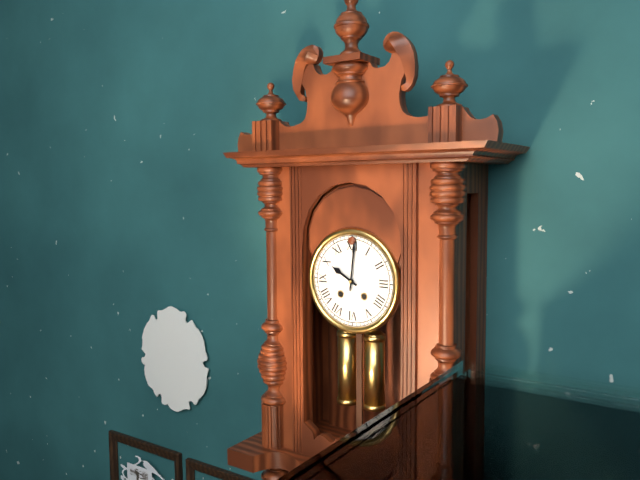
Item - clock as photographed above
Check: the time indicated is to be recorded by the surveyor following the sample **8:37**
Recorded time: **10:01**
